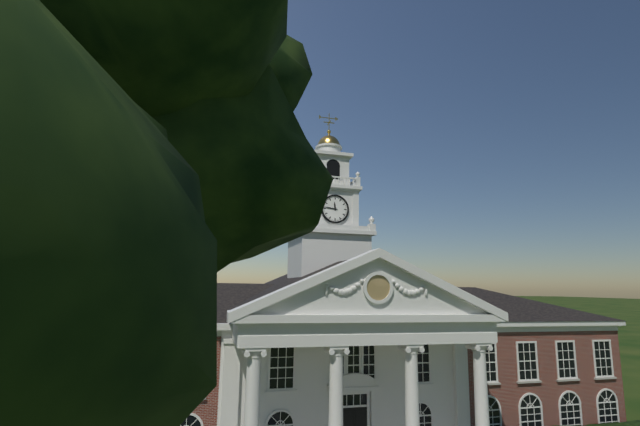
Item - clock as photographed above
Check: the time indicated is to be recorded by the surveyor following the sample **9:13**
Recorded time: **11:46**
